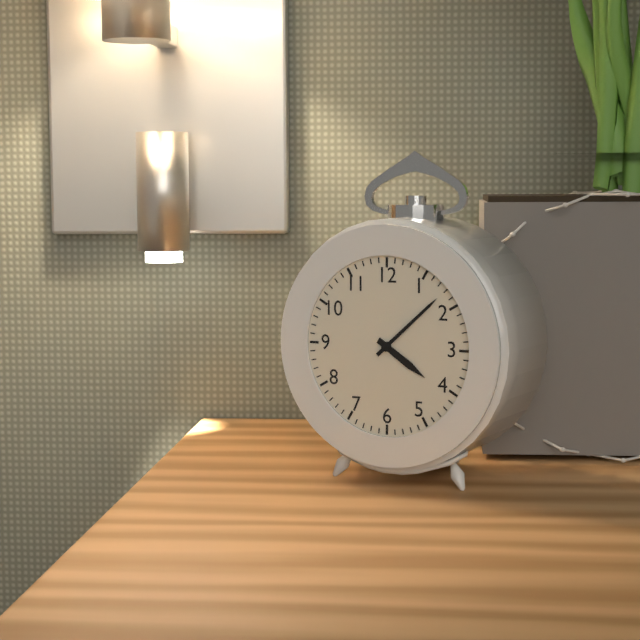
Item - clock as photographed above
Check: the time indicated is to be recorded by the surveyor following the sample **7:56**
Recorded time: **4:08**
